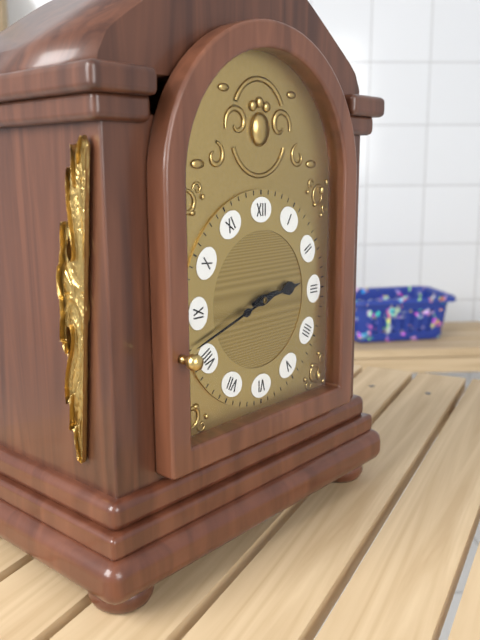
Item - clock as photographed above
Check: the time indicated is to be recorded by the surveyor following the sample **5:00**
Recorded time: **2:42**
